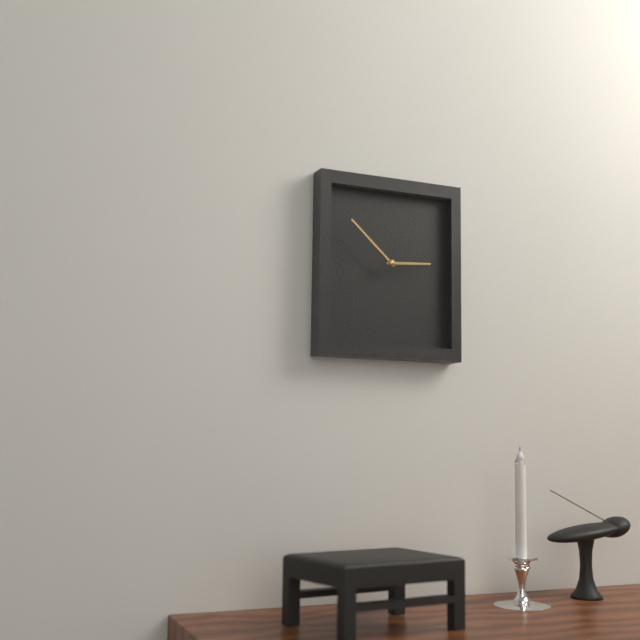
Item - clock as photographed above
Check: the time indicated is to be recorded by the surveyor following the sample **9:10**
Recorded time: **2:52**
